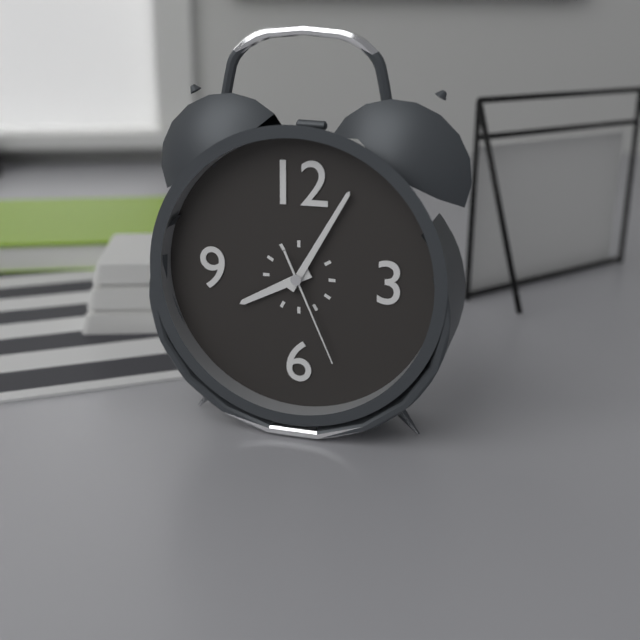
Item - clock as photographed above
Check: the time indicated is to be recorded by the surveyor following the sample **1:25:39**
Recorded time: **8:05:26**
